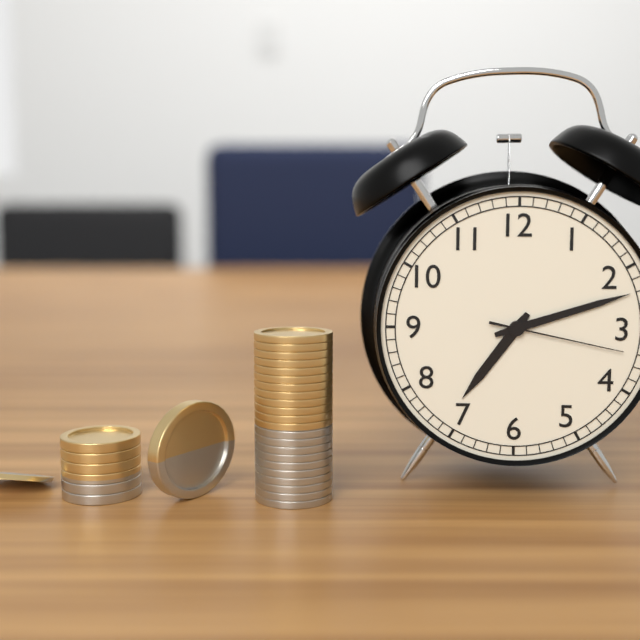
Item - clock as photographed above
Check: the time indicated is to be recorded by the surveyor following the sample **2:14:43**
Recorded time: **7:12:17**
